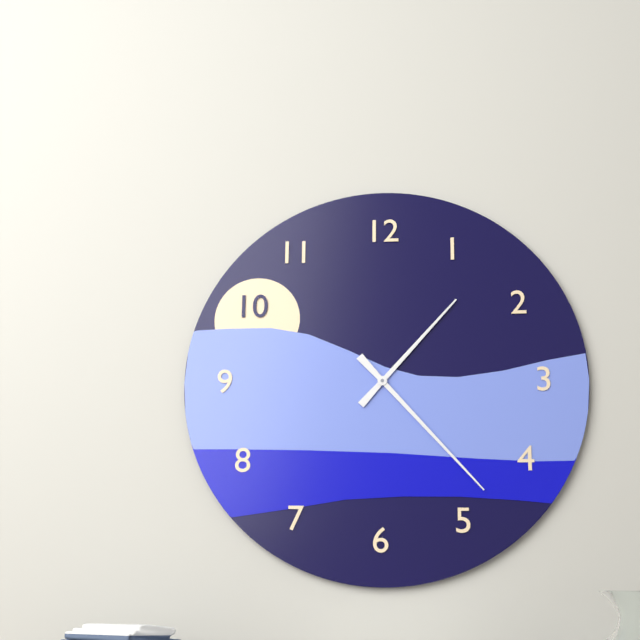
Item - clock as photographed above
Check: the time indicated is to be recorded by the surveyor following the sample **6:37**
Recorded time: **1:23**
